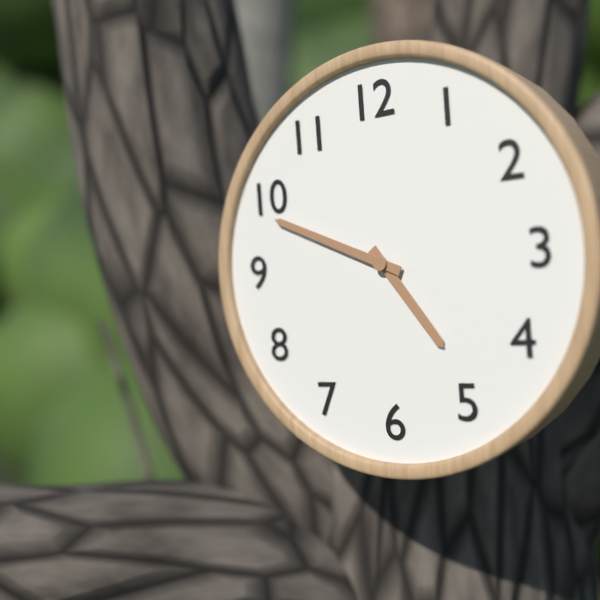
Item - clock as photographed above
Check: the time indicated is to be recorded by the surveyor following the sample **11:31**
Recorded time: **4:49**
